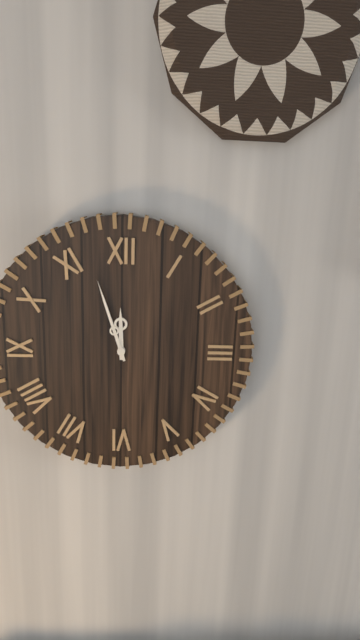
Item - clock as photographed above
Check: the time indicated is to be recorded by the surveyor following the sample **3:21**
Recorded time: **11:57**
